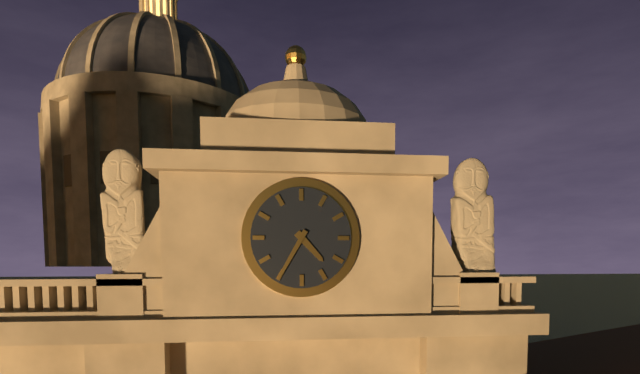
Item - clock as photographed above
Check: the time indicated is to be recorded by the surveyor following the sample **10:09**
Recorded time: **4:35**
